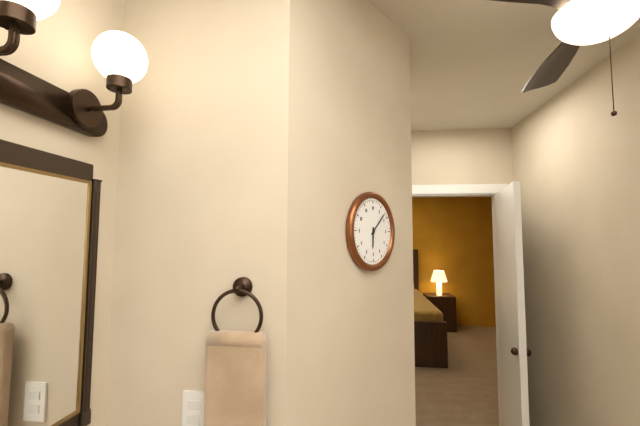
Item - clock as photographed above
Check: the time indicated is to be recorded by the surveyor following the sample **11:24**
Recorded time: **6:08**
